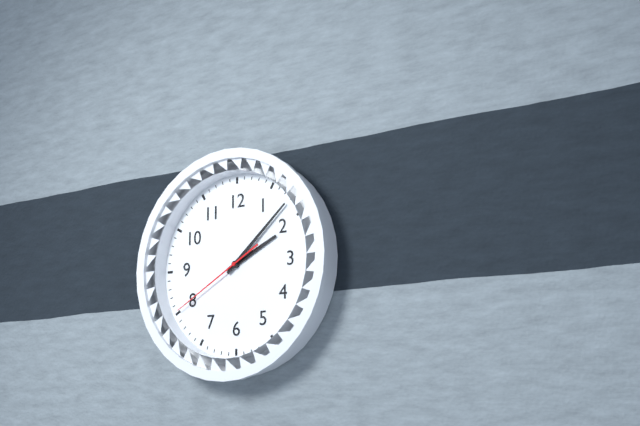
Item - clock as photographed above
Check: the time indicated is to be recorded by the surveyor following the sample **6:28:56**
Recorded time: **2:08:40**
